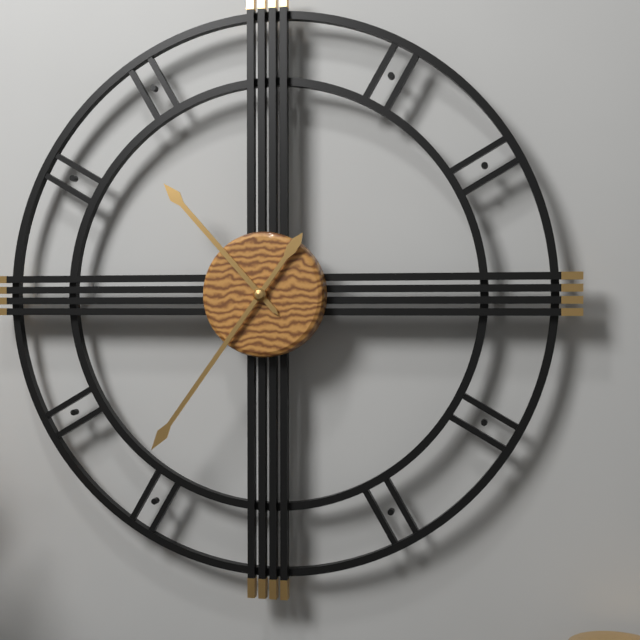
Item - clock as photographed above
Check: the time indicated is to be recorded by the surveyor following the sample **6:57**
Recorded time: **10:36**
